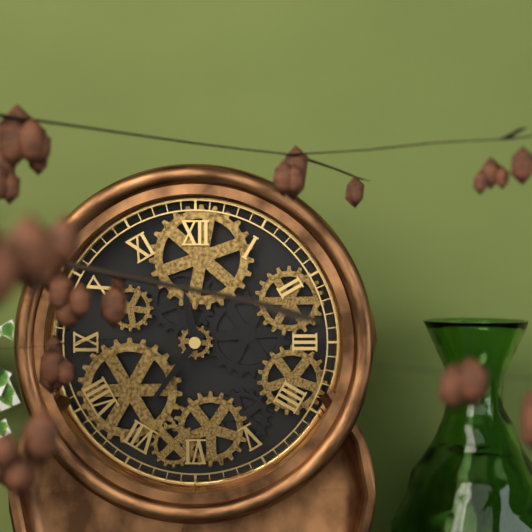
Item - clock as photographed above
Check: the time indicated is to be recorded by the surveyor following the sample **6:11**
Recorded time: **11:36**
